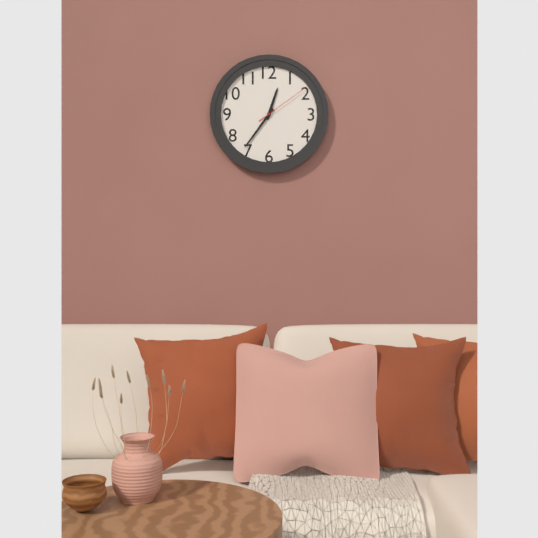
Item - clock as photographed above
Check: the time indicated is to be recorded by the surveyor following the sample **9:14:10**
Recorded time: **12:36:09**
